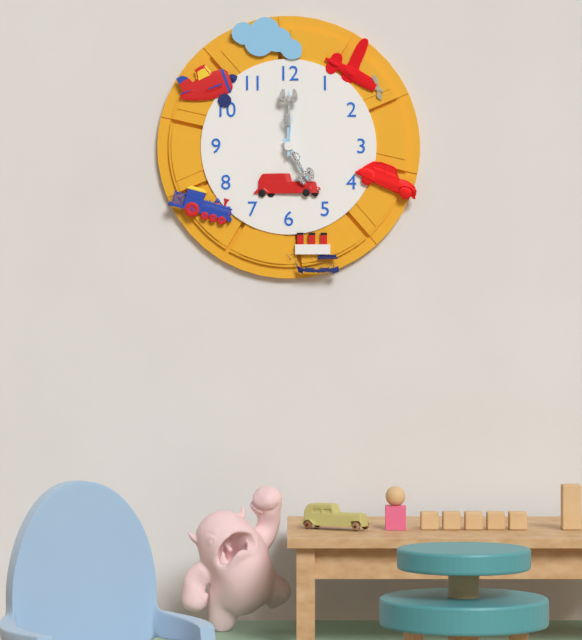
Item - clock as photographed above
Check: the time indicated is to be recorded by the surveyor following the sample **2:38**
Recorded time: **5:00**
